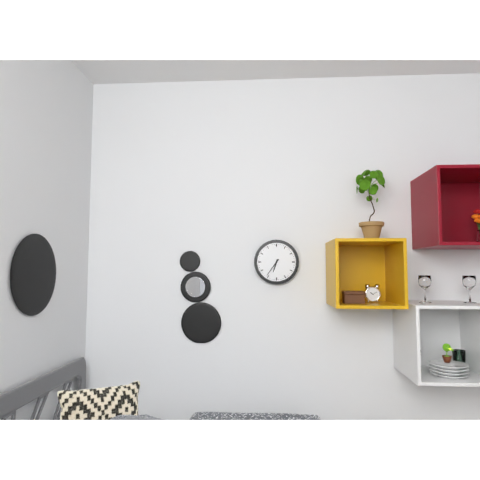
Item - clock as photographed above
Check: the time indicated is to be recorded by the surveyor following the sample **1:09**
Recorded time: **6:36**
